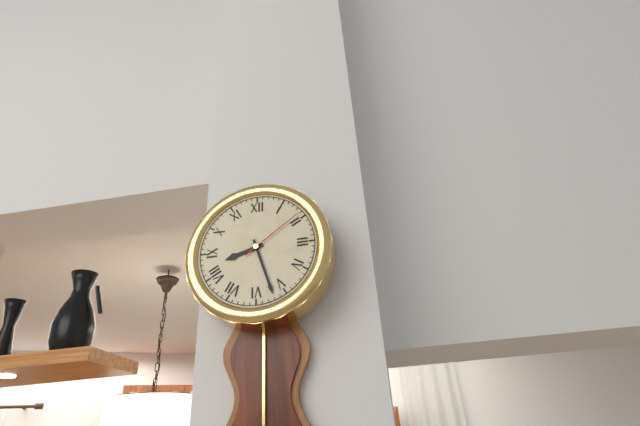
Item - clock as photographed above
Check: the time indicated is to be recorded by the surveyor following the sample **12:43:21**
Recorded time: **8:27:09**
